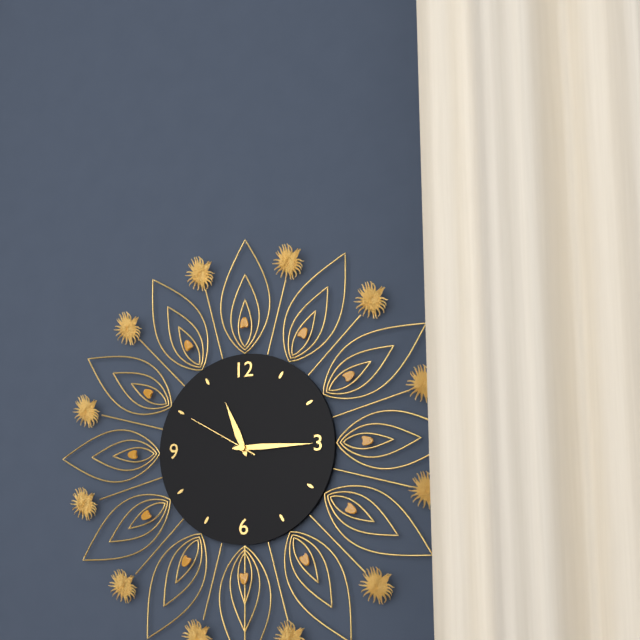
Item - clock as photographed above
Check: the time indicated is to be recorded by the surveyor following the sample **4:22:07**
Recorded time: **11:15:50**
